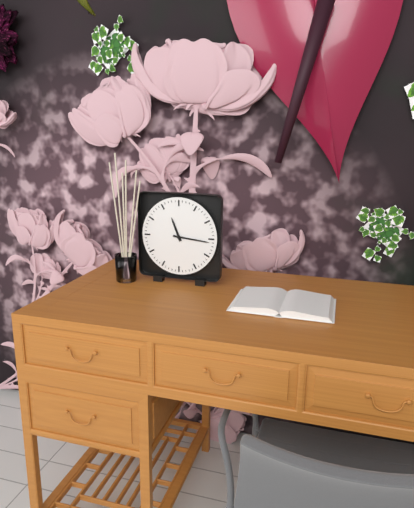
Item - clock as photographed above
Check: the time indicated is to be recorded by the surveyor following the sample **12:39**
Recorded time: **11:16**
